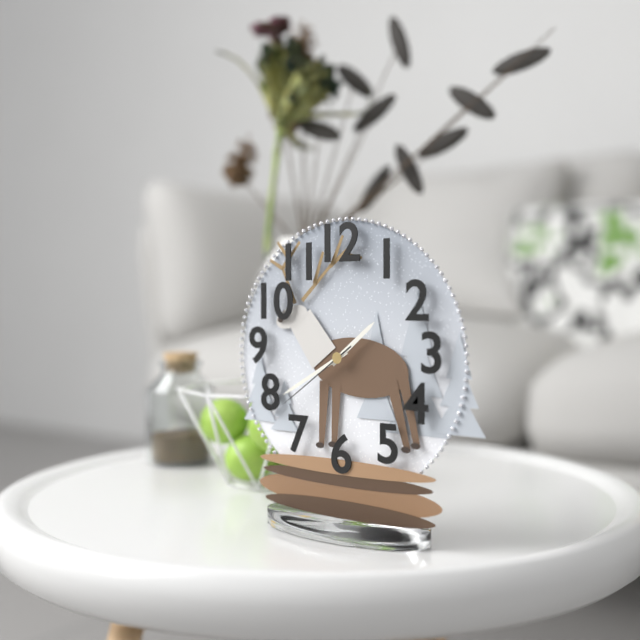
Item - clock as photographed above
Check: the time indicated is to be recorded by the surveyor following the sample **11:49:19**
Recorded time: **1:40:39**
